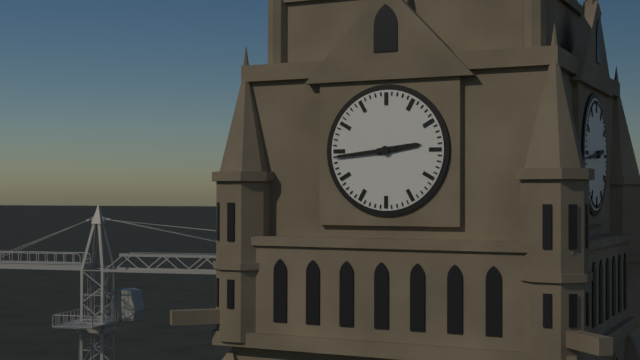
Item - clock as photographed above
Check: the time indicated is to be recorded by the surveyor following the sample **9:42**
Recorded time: **2:44**
